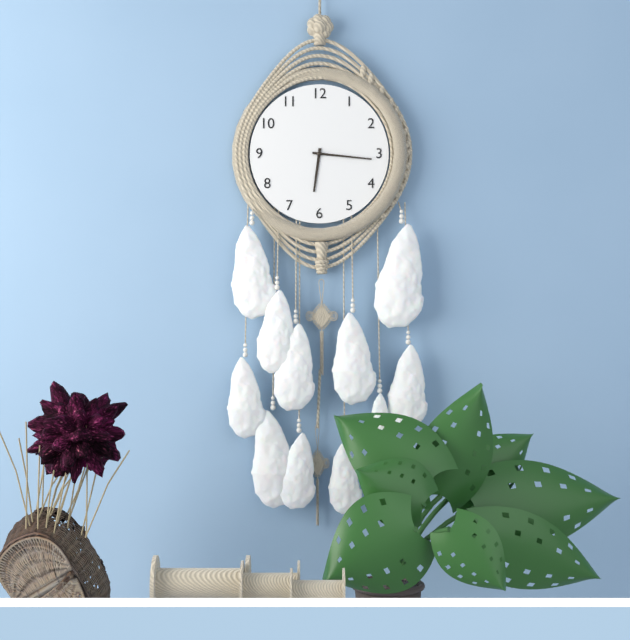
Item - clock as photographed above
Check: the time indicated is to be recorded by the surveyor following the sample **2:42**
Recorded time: **6:16**
